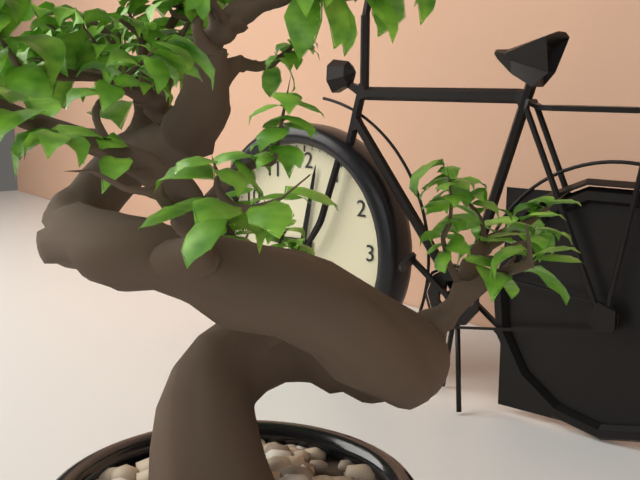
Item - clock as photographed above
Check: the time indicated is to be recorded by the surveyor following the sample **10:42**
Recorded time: **9:02**
